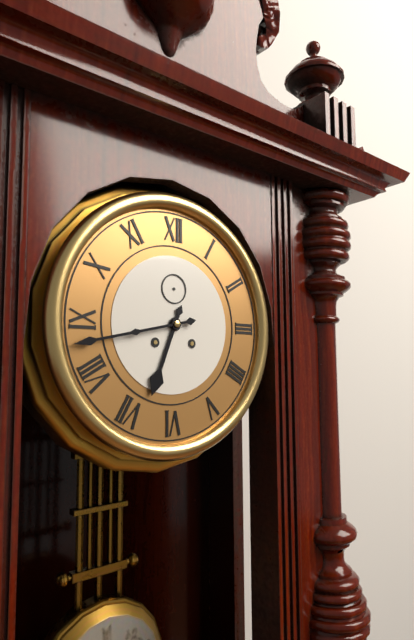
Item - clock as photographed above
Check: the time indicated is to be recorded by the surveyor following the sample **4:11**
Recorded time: **6:43**
